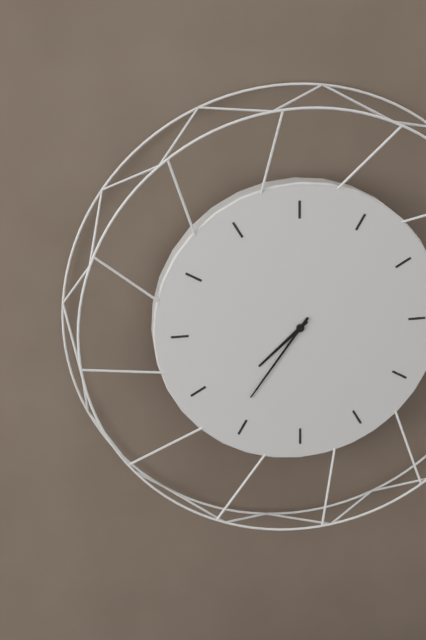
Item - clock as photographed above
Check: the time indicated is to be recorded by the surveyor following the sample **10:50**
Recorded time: **7:36**
